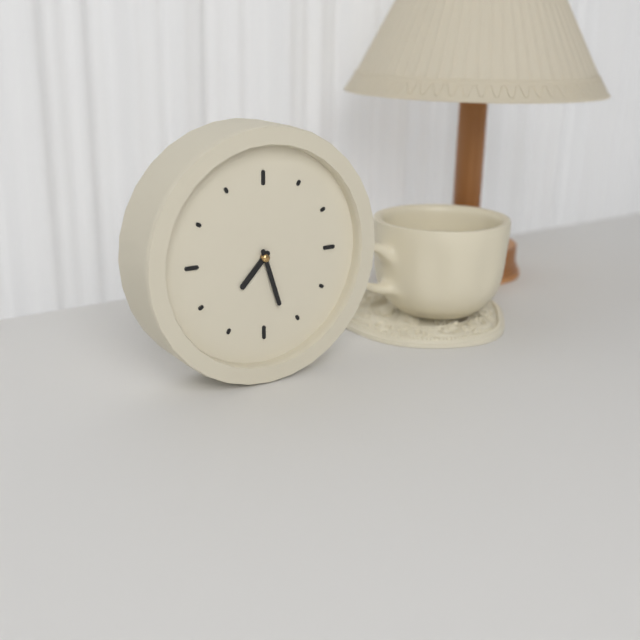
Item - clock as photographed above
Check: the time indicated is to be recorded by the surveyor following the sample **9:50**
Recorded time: **7:27**
